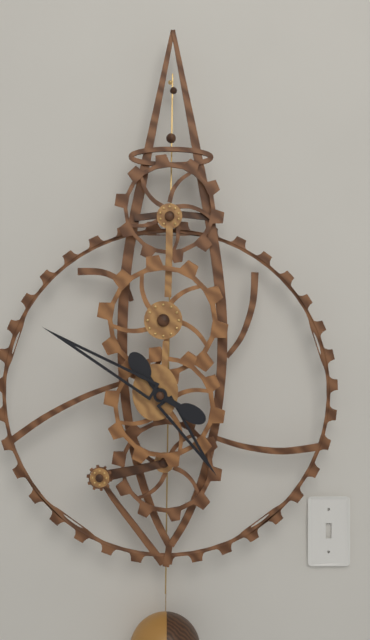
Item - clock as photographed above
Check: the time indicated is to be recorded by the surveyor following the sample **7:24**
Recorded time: **4:50**
